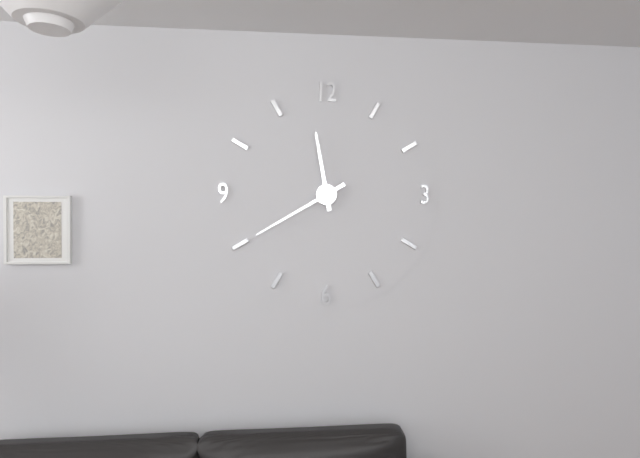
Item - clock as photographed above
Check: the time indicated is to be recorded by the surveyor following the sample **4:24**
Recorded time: **11:40**
